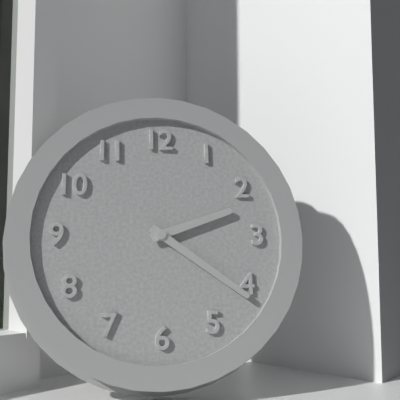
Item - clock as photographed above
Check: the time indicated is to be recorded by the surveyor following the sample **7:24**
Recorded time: **2:21**
